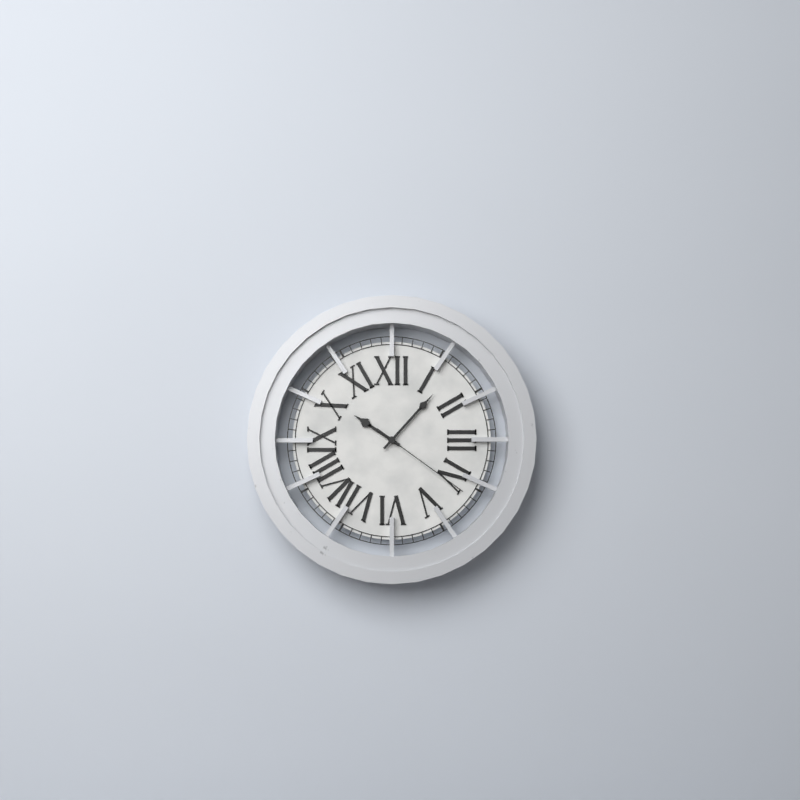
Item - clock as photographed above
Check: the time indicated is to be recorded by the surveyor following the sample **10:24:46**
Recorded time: **10:07:21**
